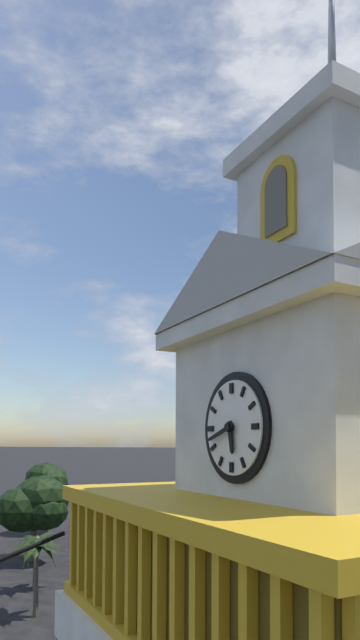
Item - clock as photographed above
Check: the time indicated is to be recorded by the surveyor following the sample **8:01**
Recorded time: **5:42**
